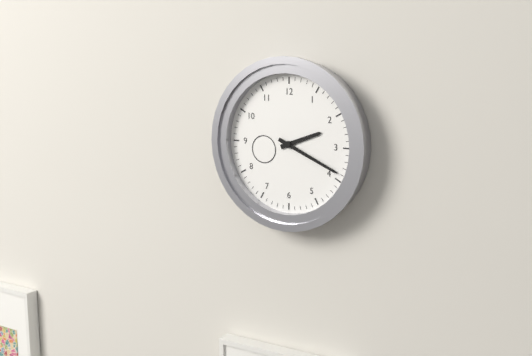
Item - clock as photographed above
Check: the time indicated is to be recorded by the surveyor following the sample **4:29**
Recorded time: **2:19**
